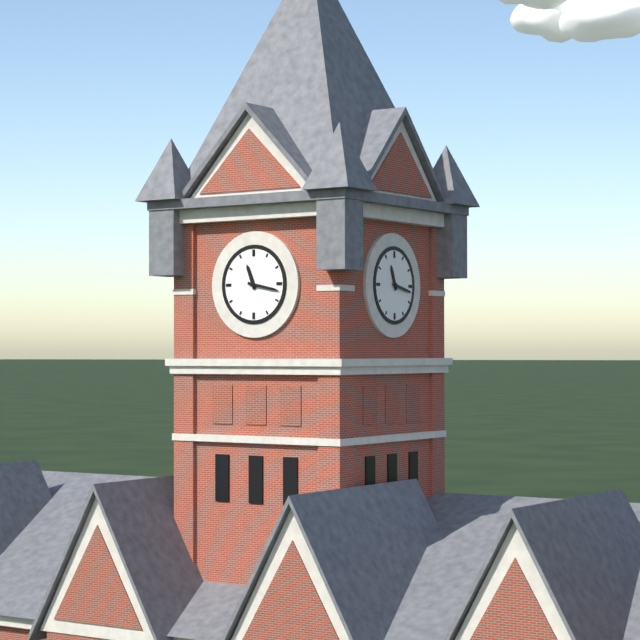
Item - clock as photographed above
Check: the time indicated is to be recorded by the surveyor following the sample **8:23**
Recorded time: **11:17**
